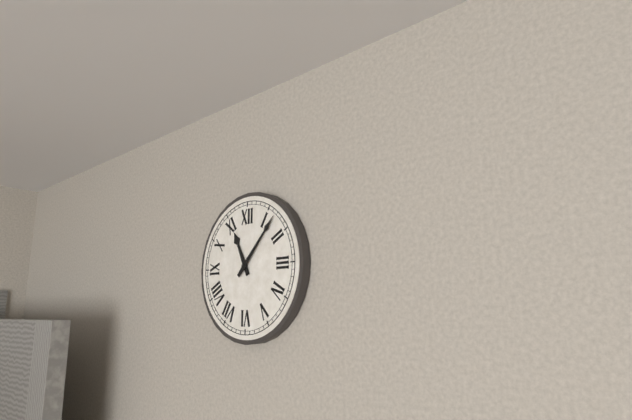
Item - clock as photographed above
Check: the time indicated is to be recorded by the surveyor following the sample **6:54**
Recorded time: **11:07**
